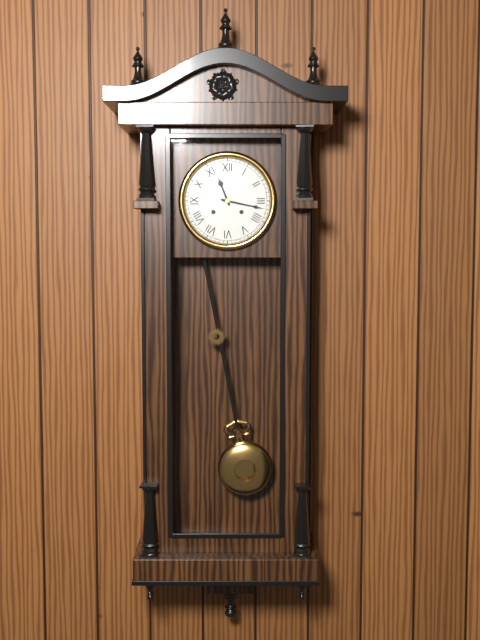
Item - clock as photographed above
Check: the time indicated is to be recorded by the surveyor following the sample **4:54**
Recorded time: **11:17**
